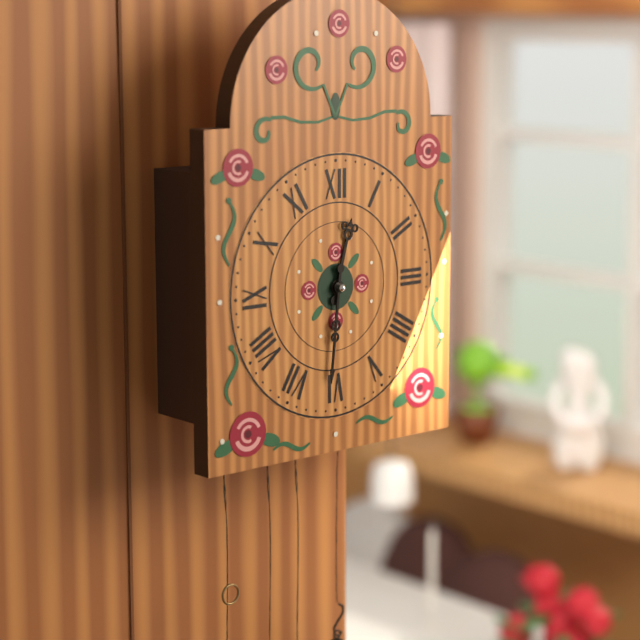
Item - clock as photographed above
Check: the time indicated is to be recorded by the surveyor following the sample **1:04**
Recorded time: **12:31**
